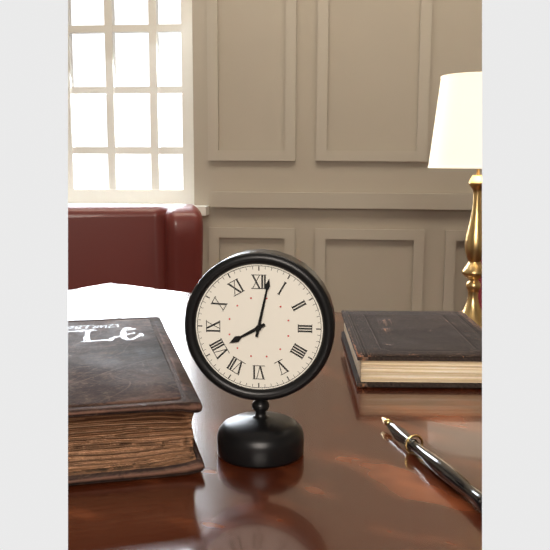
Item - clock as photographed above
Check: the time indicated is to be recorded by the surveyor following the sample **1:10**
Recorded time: **8:02**
